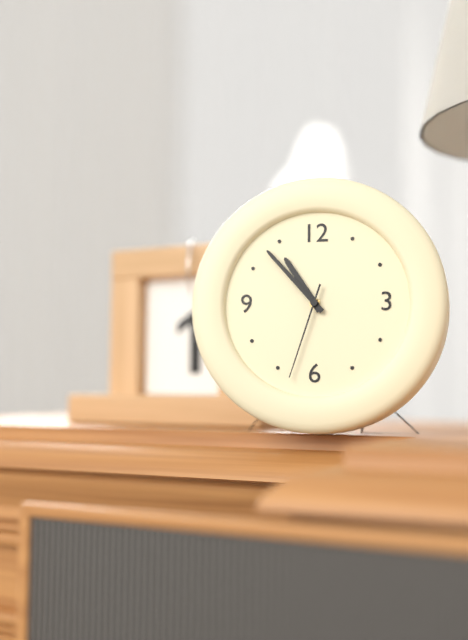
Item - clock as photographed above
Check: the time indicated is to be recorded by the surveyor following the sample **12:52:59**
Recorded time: **10:53:33**
